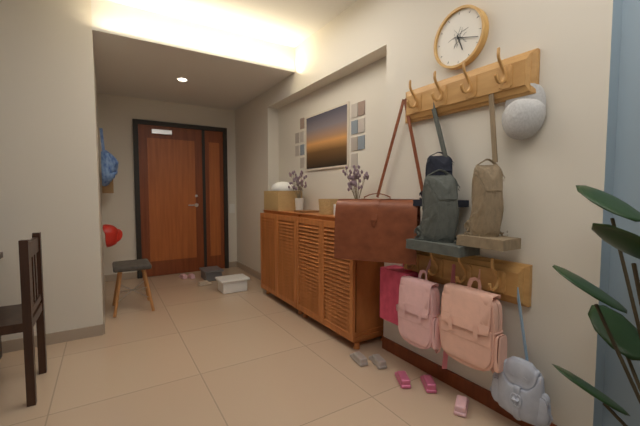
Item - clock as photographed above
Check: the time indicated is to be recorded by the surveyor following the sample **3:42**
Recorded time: **5:18**
